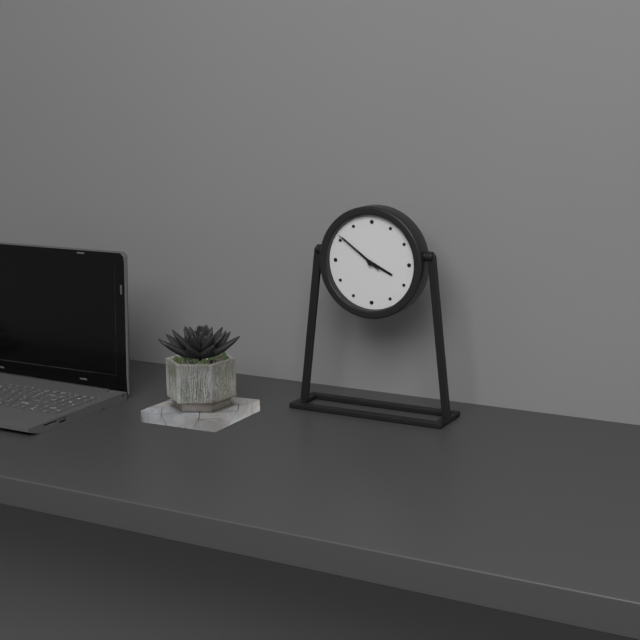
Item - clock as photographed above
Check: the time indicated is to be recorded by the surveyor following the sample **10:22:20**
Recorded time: **3:51:51**
